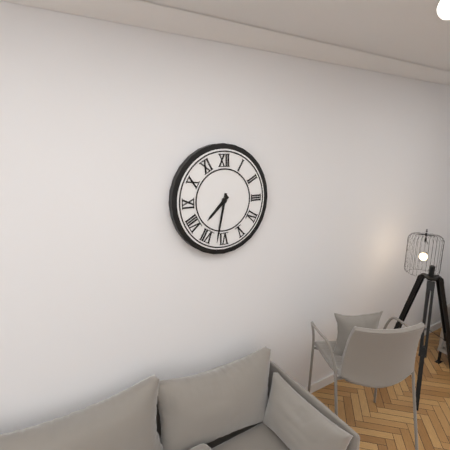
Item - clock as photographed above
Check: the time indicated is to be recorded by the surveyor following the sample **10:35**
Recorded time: **7:32**
